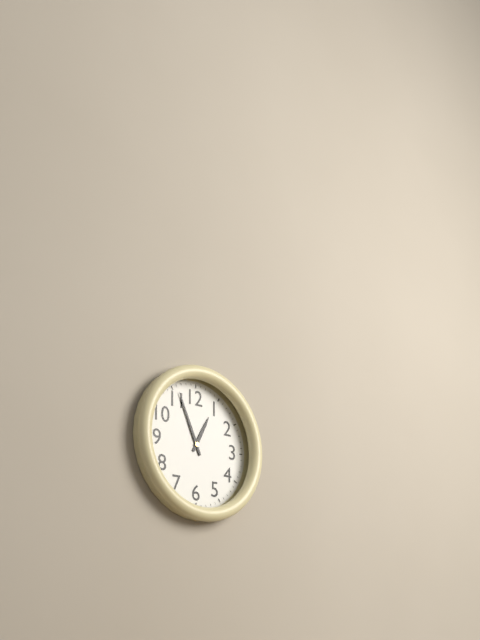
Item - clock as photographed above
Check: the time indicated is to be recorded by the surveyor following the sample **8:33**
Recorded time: **12:56**
